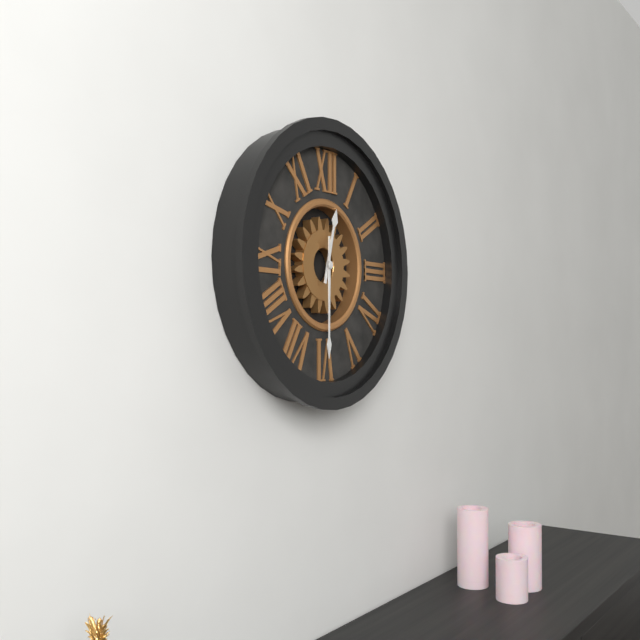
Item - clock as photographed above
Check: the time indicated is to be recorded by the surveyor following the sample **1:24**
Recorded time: **12:30**
